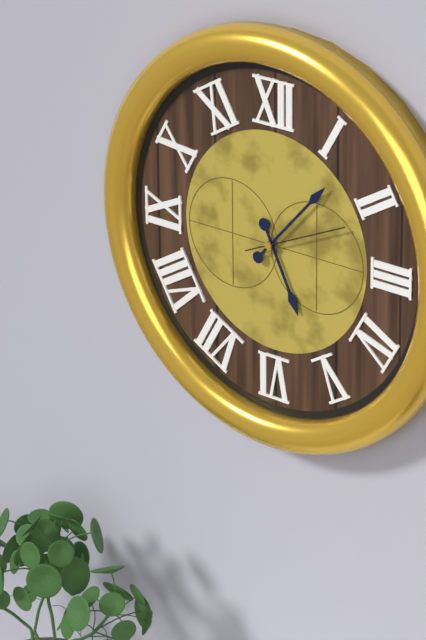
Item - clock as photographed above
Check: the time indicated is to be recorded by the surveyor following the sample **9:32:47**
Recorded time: **5:07:11**
